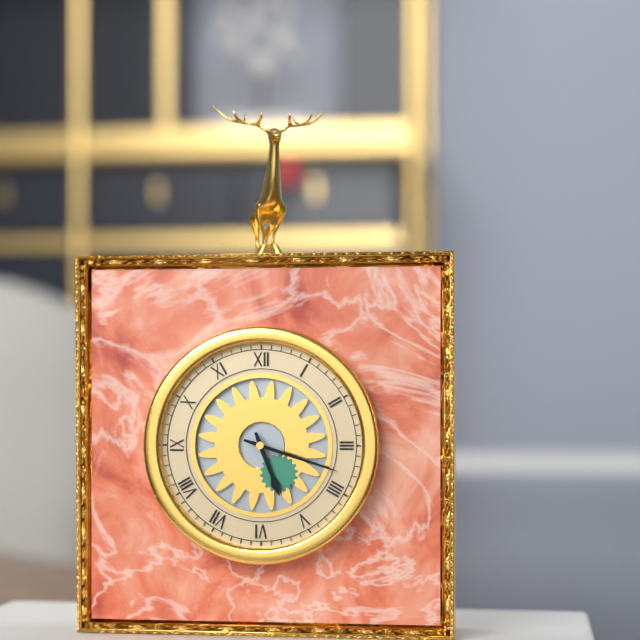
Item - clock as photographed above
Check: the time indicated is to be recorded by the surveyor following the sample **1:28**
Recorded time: **5:18**
